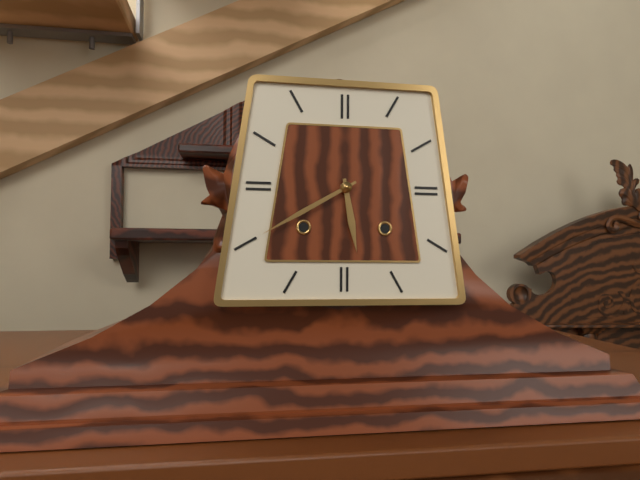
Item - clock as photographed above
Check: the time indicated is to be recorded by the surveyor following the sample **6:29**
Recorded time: **5:40**
